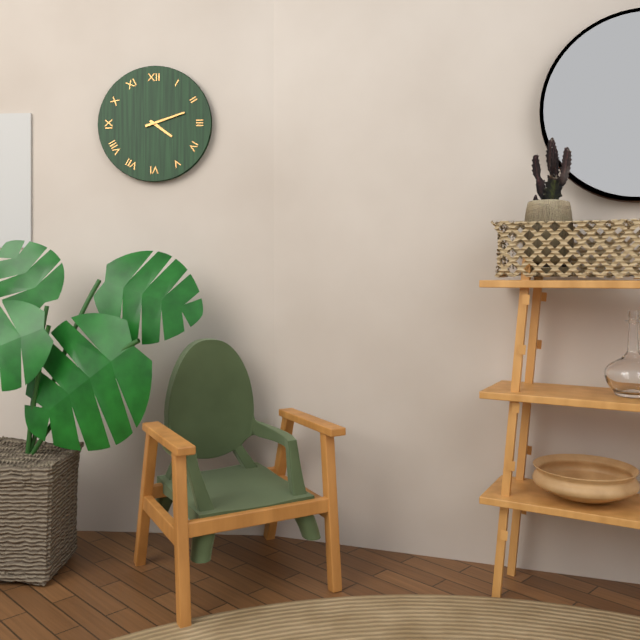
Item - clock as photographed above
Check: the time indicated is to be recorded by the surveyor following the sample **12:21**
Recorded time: **4:12**
